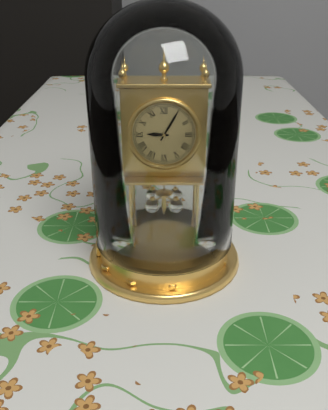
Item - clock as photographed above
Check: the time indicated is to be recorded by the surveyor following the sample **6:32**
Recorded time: **9:05**
